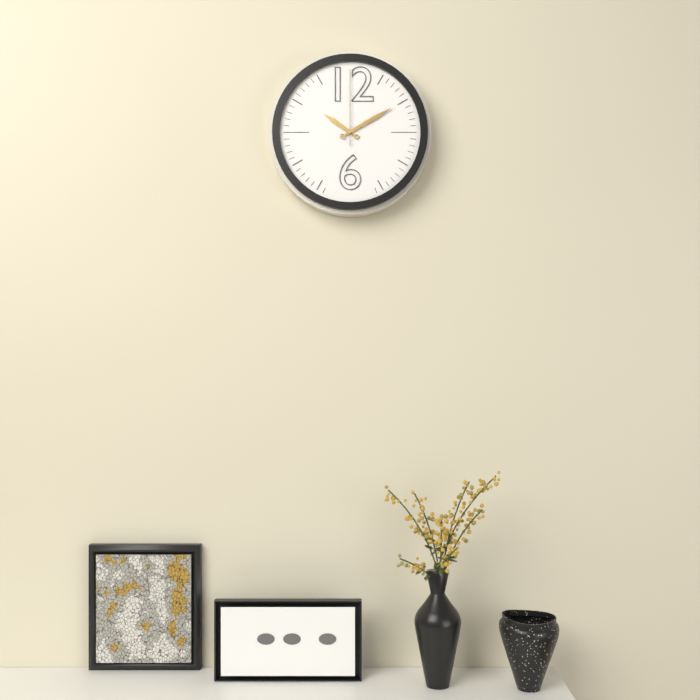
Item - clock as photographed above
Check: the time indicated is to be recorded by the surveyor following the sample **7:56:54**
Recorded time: **10:10:00**
